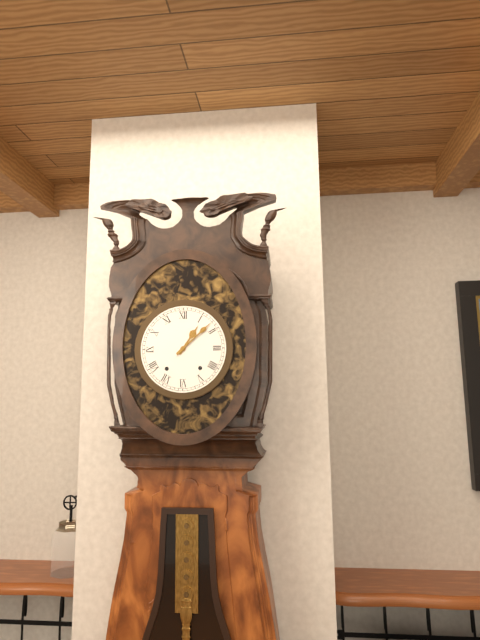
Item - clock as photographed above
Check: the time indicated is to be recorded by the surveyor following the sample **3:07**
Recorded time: **1:08**
